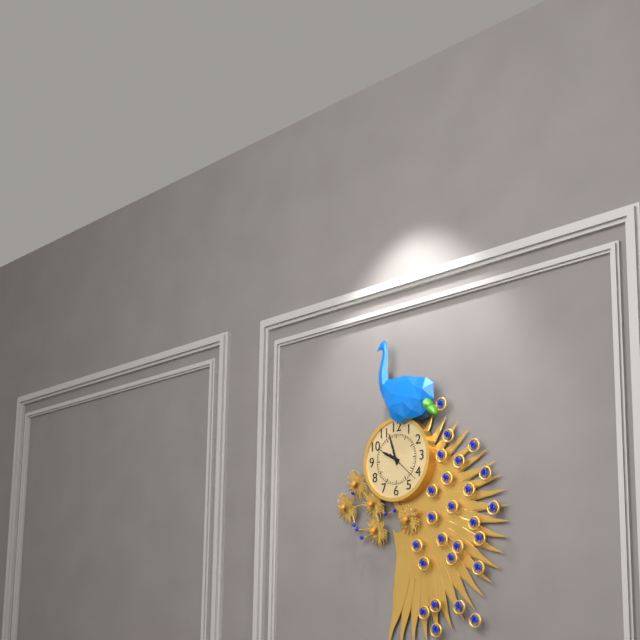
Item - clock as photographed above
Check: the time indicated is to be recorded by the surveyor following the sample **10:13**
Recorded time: **9:57**
